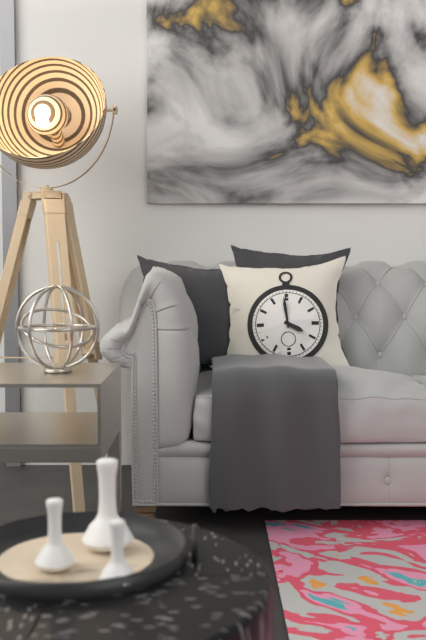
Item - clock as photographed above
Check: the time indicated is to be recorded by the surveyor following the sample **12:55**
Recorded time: **3:59**
